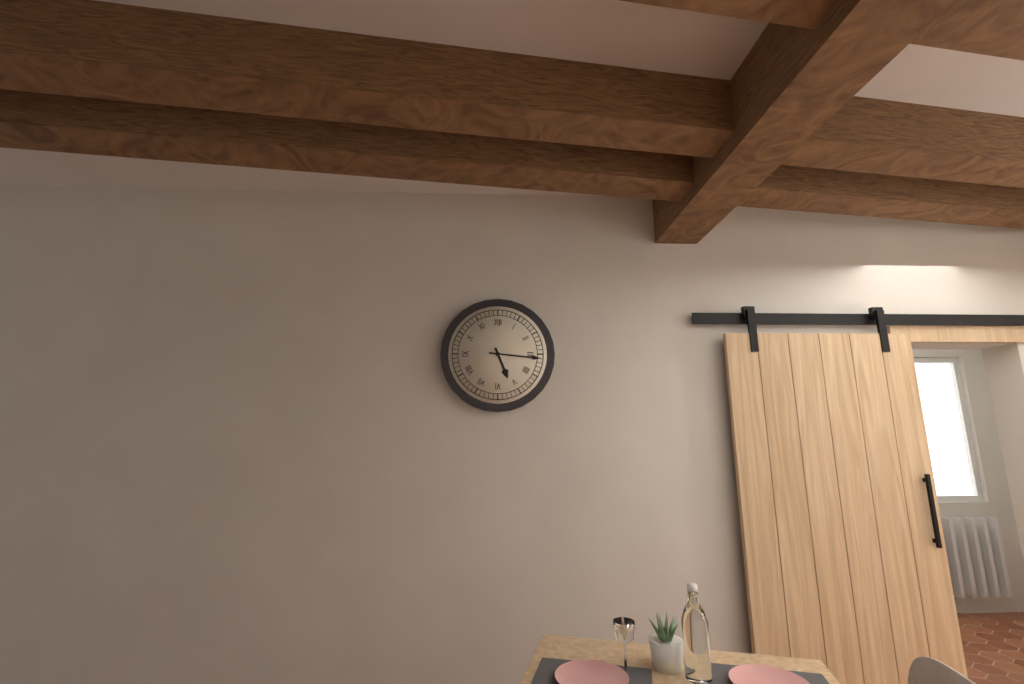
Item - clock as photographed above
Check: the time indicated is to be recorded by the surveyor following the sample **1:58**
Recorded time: **5:16**
